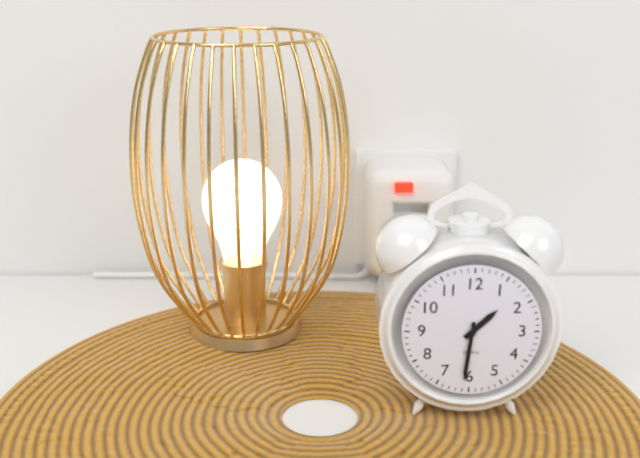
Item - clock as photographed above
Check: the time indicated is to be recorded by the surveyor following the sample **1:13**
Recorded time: **1:31**
